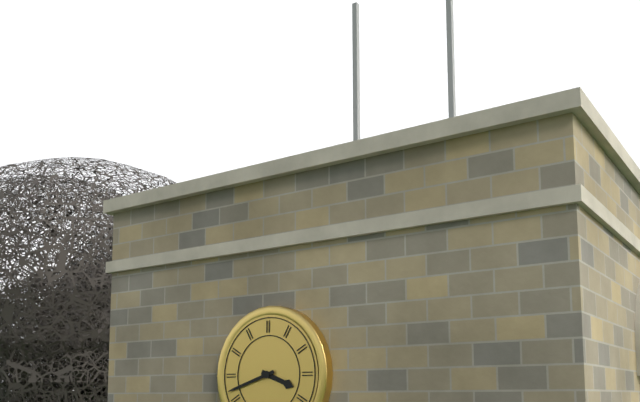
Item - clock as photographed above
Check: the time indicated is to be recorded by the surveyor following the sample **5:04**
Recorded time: **3:42**
